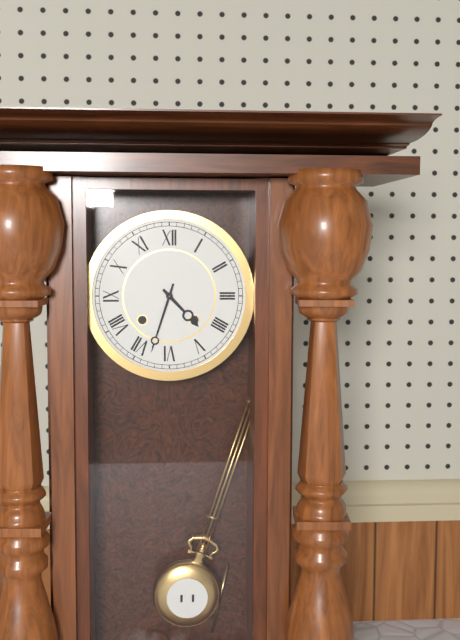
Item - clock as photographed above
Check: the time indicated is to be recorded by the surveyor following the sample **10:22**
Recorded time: **4:33**
